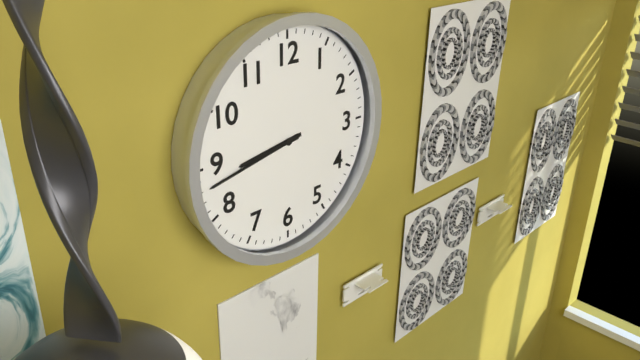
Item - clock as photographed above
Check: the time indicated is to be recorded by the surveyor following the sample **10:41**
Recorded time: **8:43**
